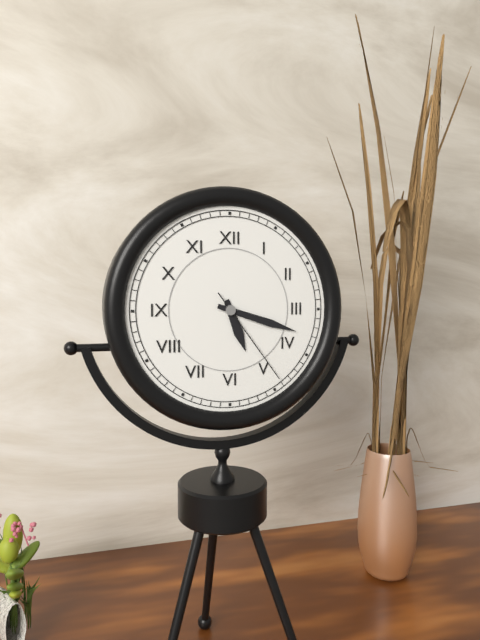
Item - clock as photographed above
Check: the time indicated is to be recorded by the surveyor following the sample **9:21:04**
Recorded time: **5:18:24**
